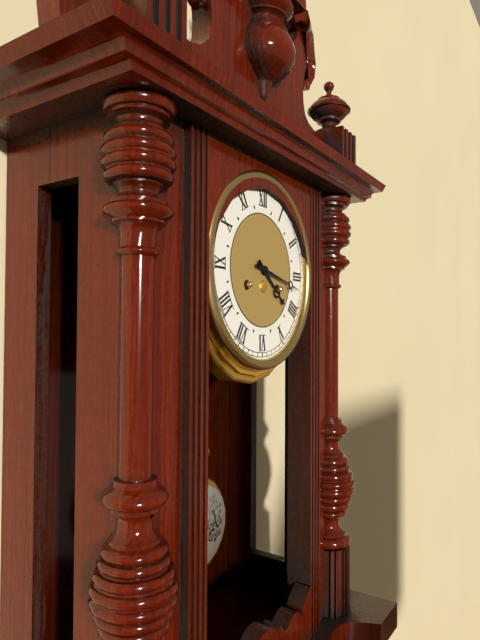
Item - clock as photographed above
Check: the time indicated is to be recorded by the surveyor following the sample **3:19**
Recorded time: **4:17**
